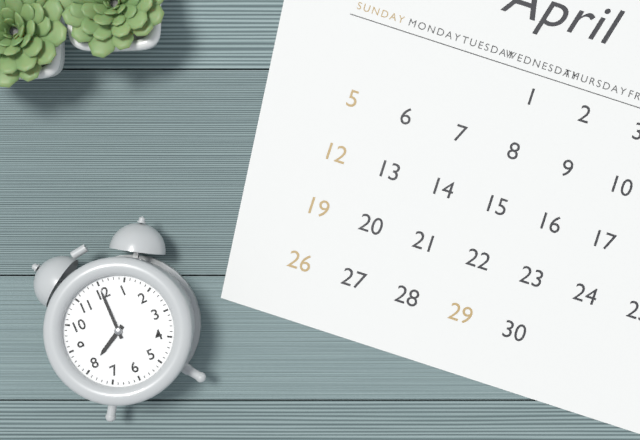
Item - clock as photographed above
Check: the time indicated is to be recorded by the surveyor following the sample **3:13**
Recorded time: **8:00**
